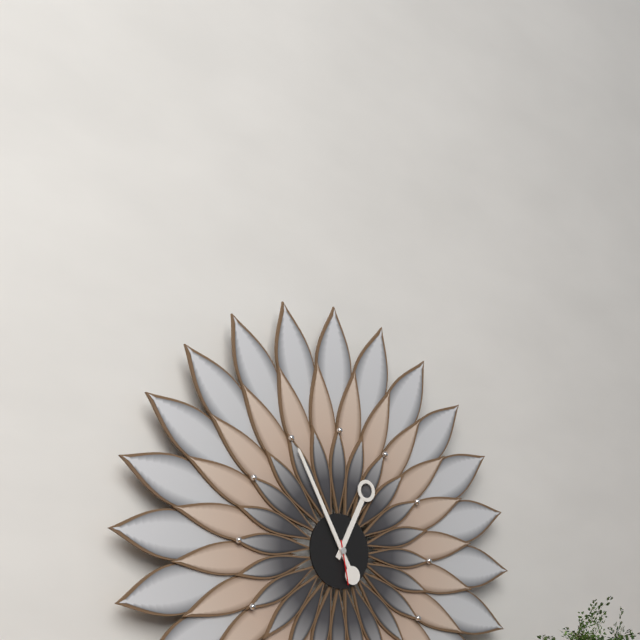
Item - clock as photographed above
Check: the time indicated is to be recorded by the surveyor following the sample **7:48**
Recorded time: **12:55**
